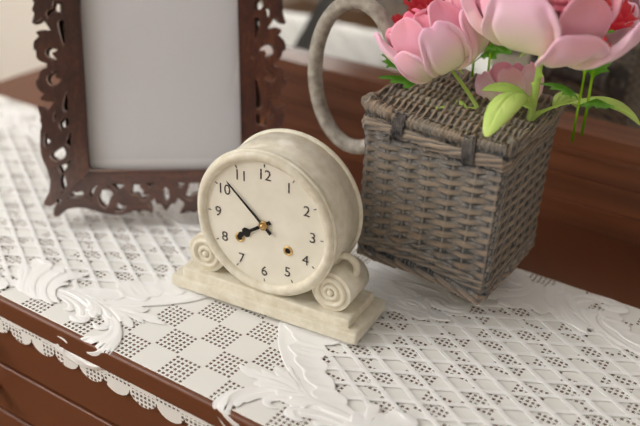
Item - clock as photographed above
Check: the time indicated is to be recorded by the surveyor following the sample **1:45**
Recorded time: **7:52**
